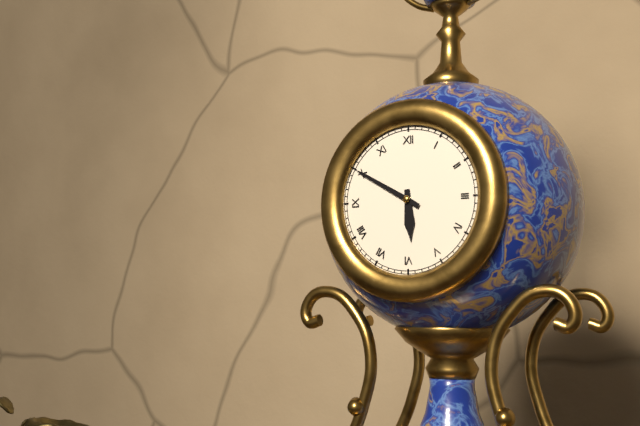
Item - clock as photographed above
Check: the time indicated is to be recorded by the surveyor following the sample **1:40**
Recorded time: **5:50**
